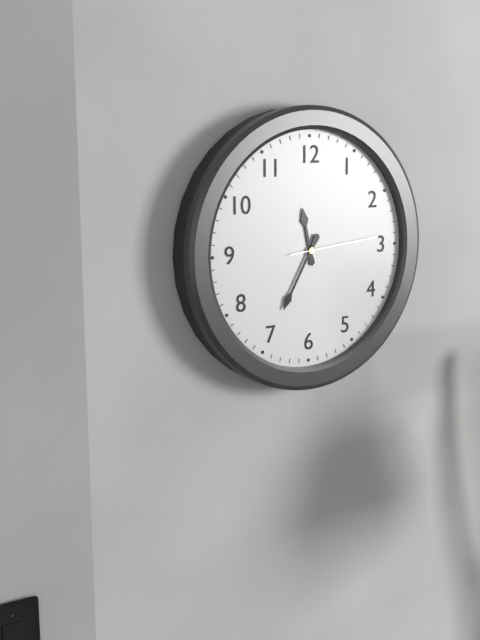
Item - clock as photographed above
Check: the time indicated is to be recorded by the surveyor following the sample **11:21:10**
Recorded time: **11:35:14**
